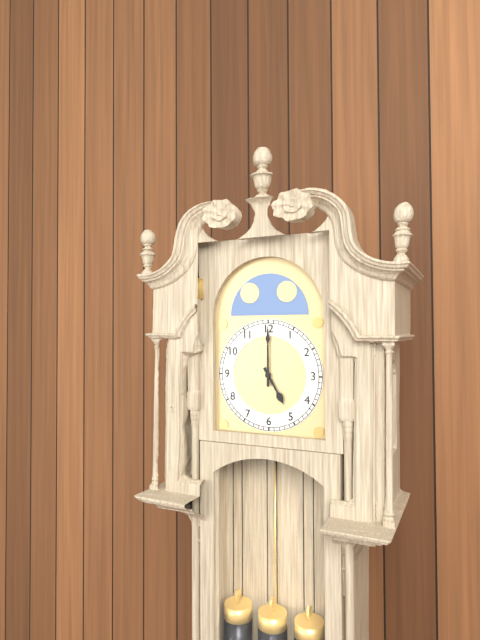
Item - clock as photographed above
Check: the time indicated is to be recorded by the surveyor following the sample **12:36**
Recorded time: **5:00**
